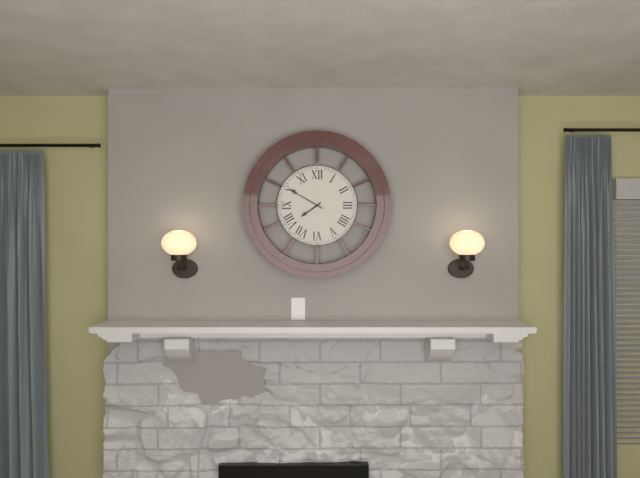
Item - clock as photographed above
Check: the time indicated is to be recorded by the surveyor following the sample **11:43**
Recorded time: **7:50**
